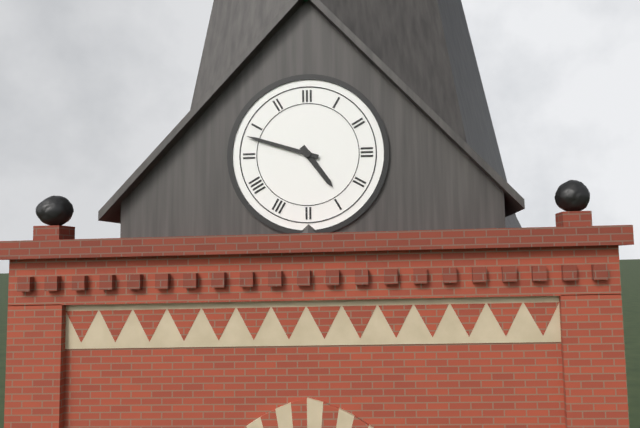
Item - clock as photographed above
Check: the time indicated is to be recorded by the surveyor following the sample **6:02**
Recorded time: **4:48**
